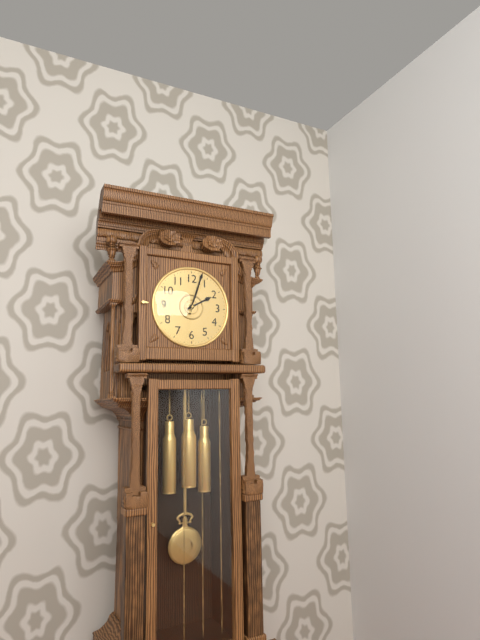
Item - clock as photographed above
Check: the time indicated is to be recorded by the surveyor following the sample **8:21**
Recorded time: **2:03**
